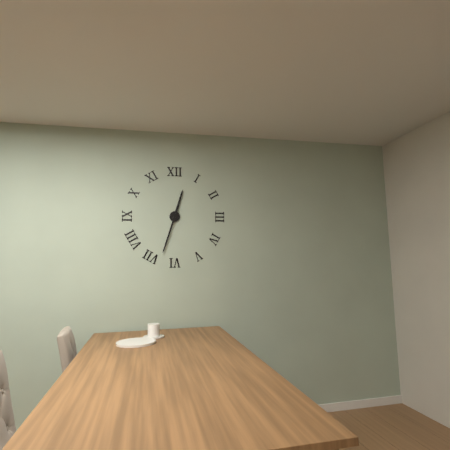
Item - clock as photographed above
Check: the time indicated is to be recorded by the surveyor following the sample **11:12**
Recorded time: **12:33**
